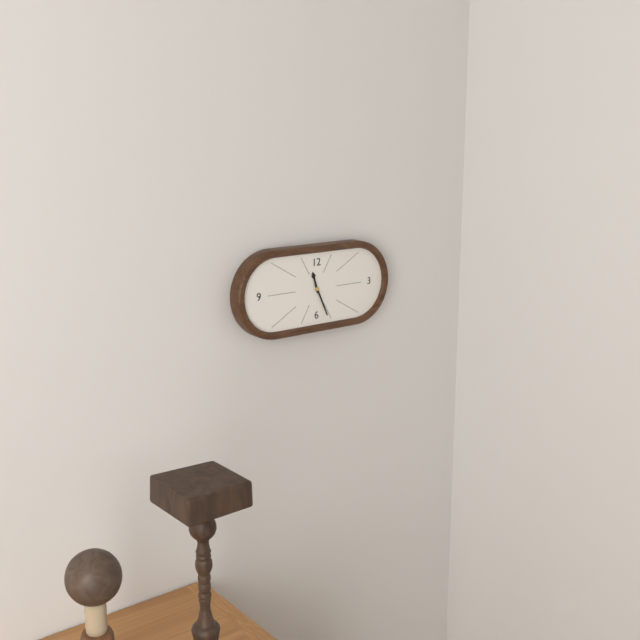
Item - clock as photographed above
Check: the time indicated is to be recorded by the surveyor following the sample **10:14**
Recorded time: **11:26**
